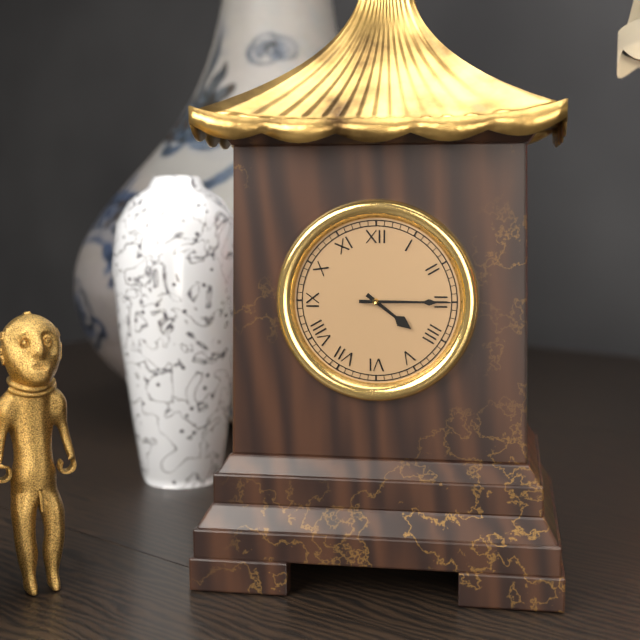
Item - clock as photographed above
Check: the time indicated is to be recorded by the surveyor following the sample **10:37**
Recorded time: **4:15**
